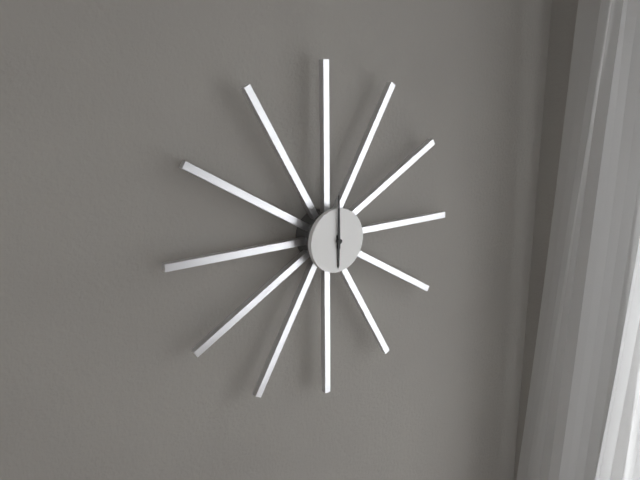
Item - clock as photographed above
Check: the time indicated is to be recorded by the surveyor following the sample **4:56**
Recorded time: **6:00**
